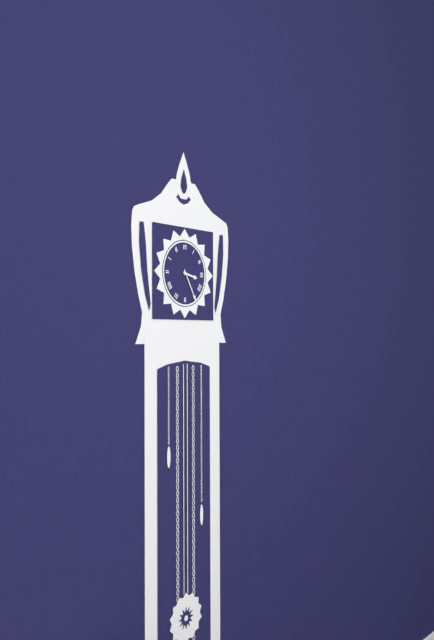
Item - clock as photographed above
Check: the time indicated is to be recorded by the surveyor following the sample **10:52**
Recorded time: **3:25**
